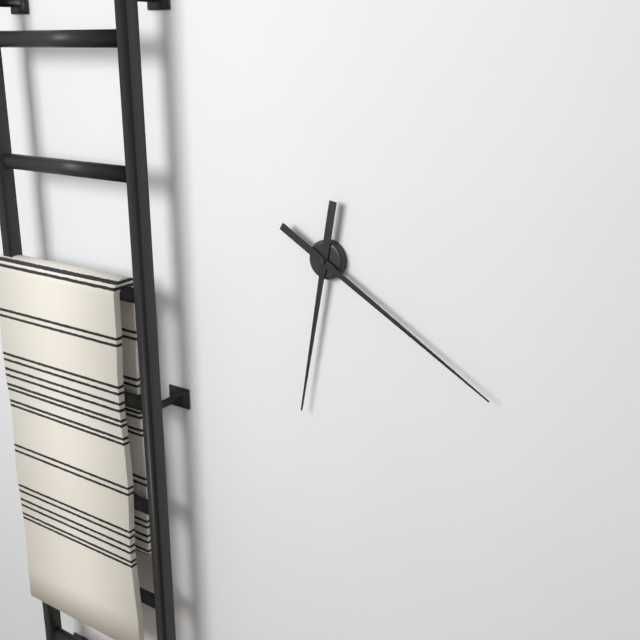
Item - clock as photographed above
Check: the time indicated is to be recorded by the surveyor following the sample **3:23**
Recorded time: **6:20**
